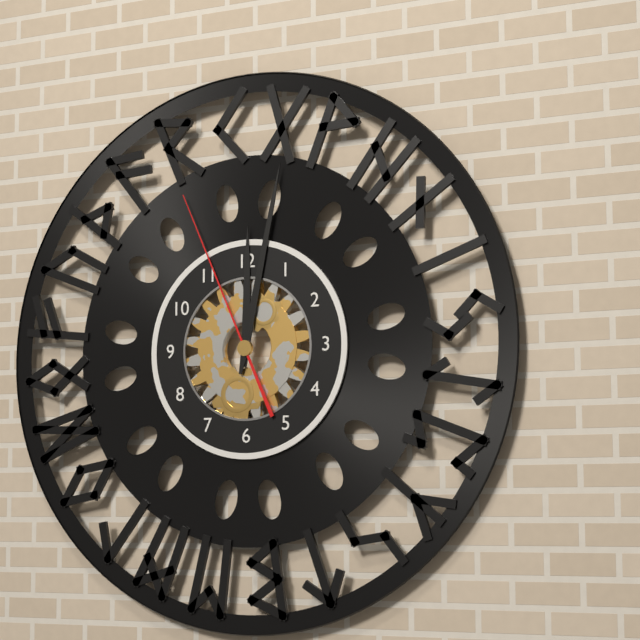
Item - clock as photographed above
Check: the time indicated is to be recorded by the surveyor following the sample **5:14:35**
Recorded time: **12:02:56**
